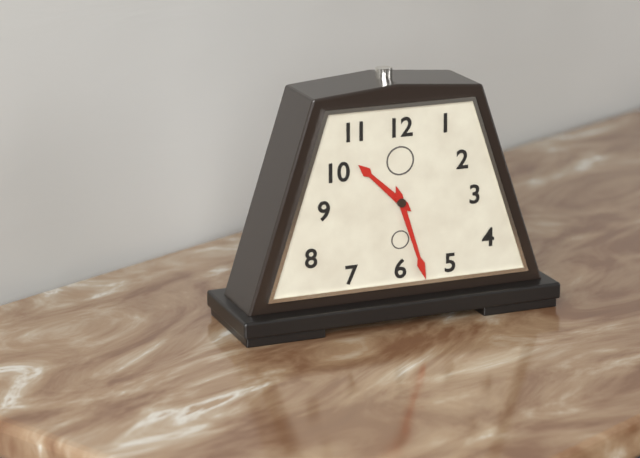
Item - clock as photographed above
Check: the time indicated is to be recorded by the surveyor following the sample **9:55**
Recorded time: **10:27**
